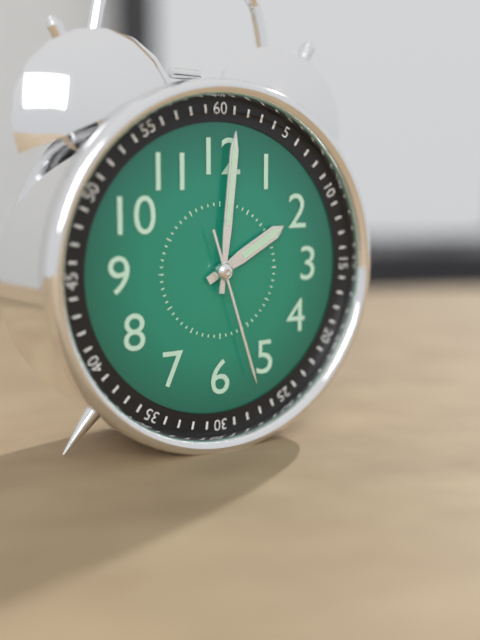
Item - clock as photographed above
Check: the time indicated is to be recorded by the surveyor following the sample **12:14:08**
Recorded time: **2:01:27**
